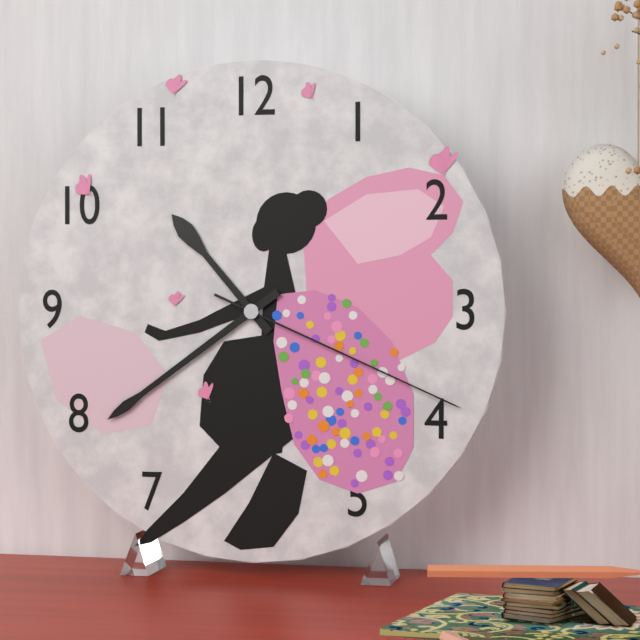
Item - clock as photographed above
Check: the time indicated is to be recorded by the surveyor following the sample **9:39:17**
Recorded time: **10:39:19**
